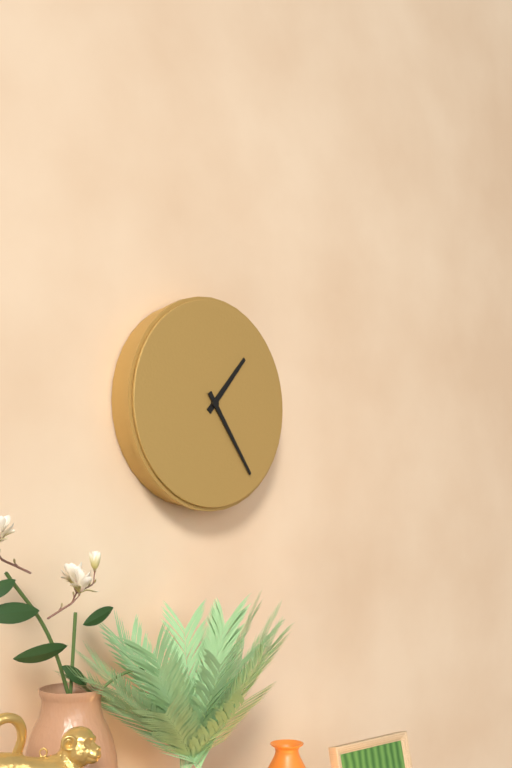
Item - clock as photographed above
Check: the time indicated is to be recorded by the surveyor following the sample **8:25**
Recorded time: **1:24**
